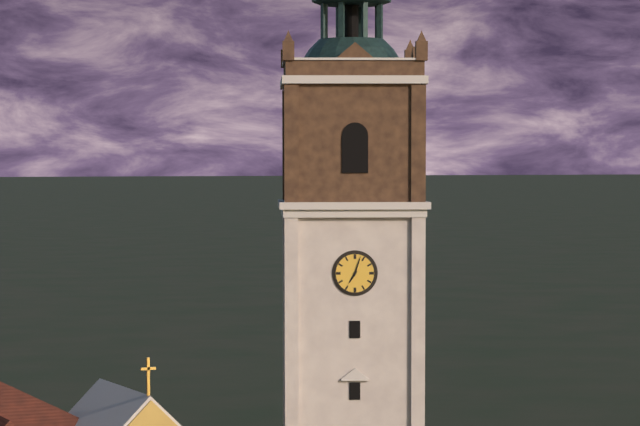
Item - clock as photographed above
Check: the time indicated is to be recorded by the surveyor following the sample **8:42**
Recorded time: **7:03**
